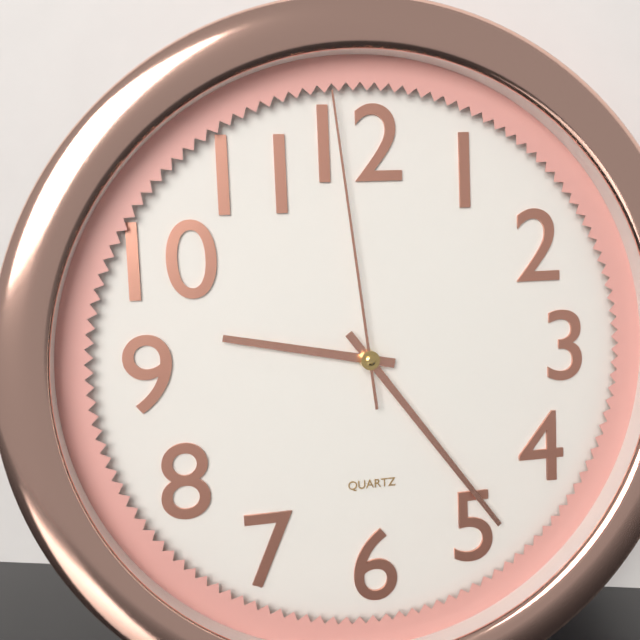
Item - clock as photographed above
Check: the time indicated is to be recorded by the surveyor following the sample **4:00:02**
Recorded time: **9:24:59**
